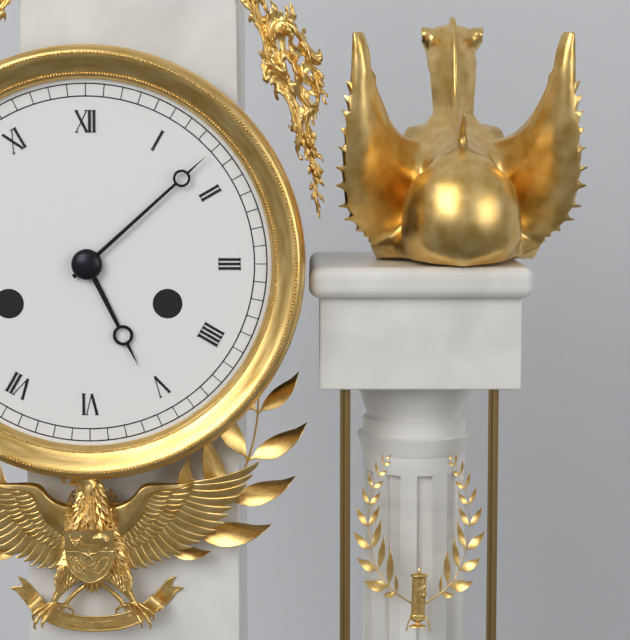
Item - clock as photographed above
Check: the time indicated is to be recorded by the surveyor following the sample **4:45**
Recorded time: **5:08**
